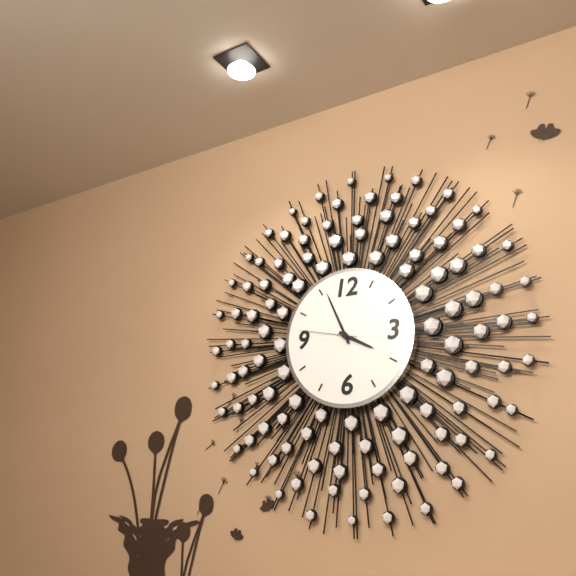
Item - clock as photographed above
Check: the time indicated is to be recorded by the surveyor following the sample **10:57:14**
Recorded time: **3:56:47**
